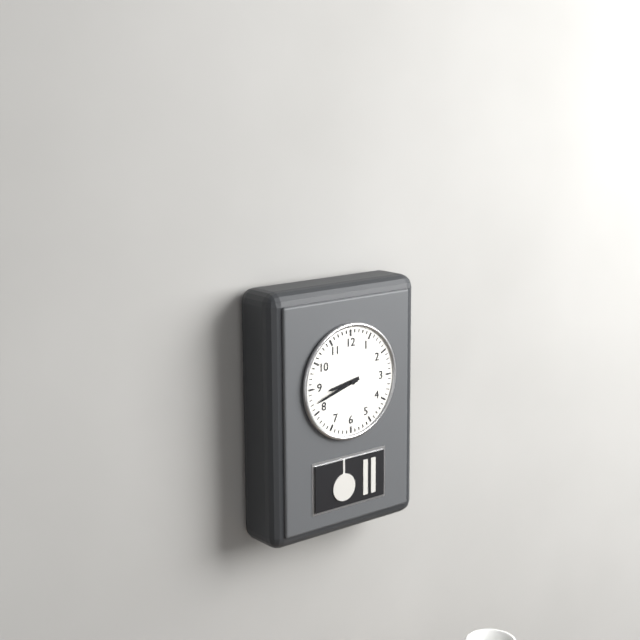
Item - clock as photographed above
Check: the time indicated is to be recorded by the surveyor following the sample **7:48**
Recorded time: **8:42**
